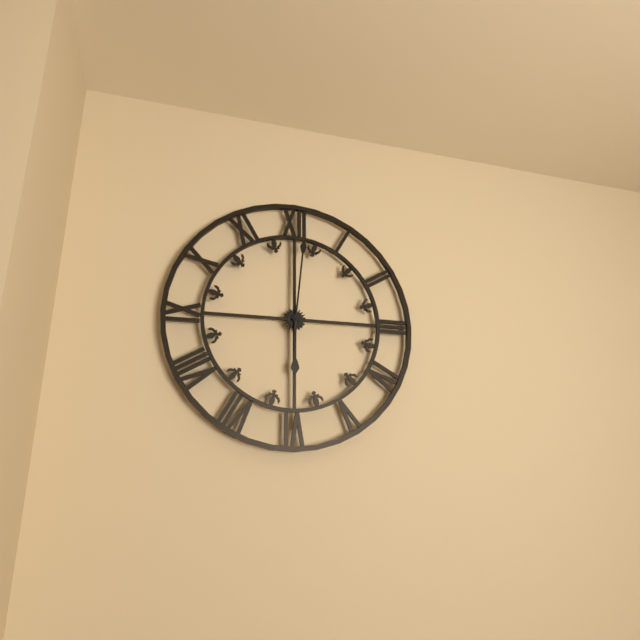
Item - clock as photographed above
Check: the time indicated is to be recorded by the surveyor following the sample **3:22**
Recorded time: **6:01**
